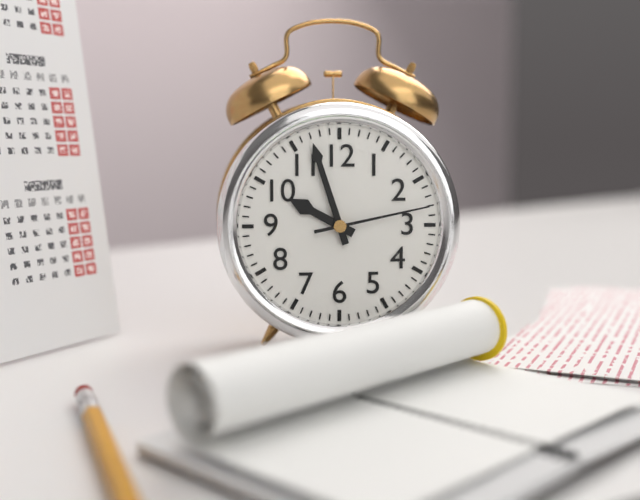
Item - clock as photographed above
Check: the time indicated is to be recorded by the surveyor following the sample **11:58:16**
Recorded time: **9:57:13**
